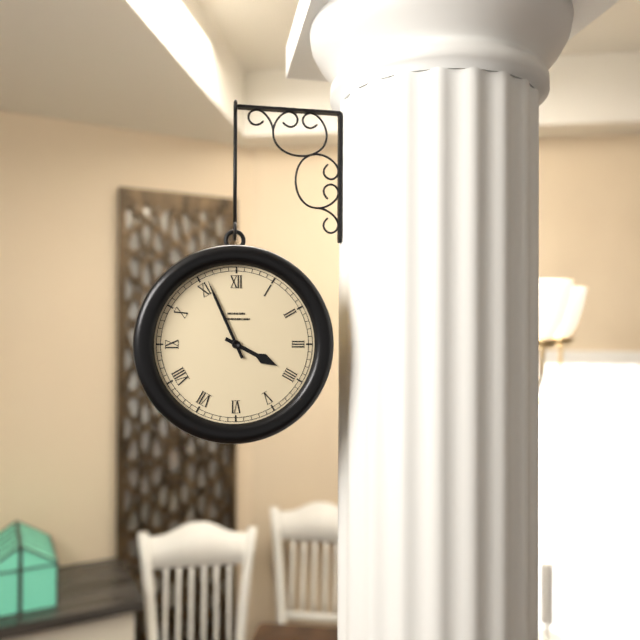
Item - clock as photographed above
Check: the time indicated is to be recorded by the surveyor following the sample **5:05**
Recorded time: **3:56**
